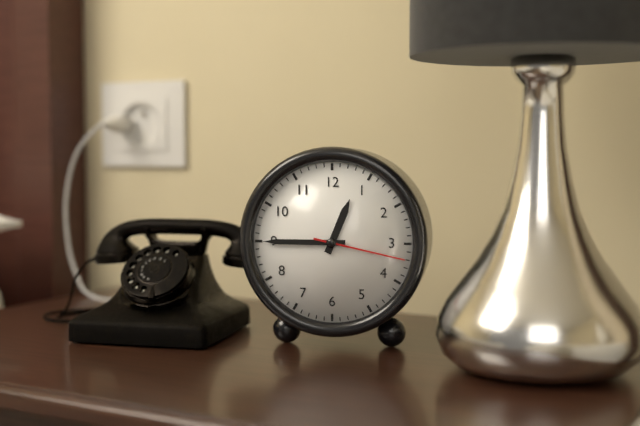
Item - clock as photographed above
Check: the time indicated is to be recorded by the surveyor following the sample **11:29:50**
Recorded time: **12:45:17**
